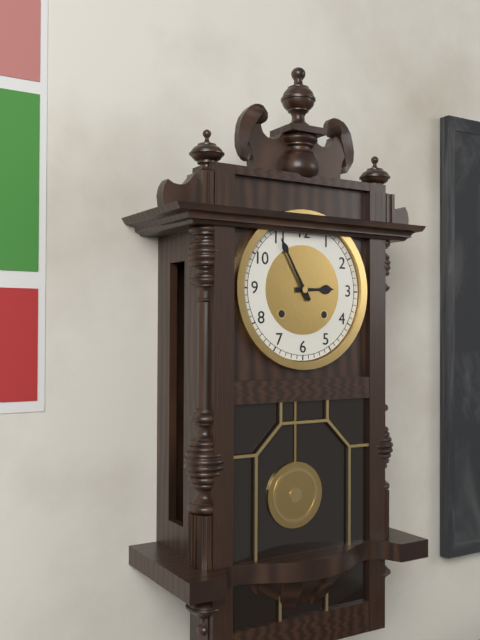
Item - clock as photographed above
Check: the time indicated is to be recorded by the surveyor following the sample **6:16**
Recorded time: **2:55**
